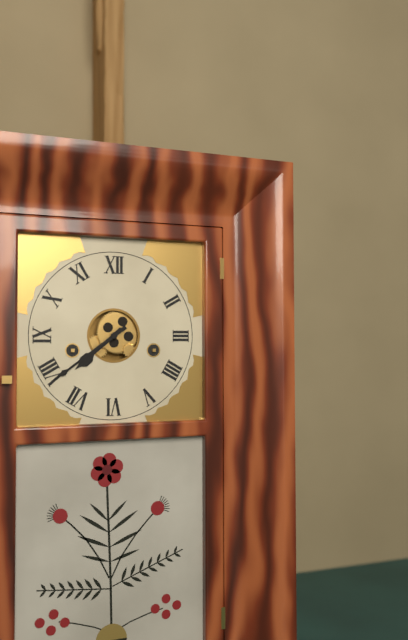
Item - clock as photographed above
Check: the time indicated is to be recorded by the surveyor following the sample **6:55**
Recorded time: **7:39**
